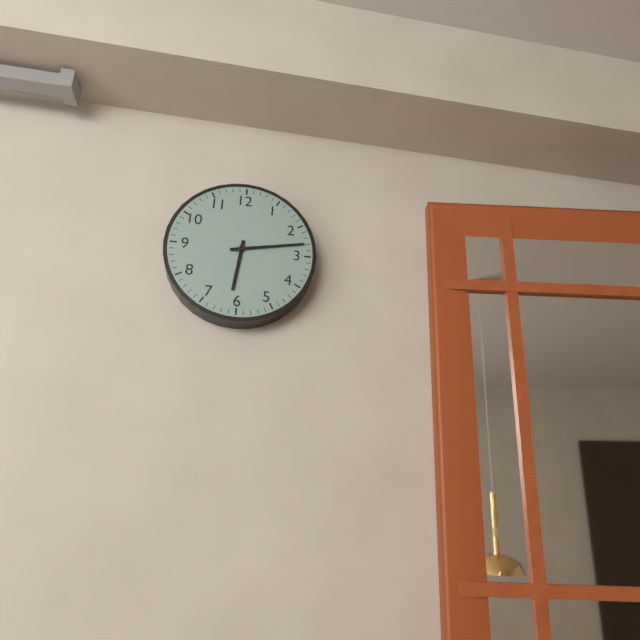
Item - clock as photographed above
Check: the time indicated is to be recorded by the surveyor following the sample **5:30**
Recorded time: **6:13**
